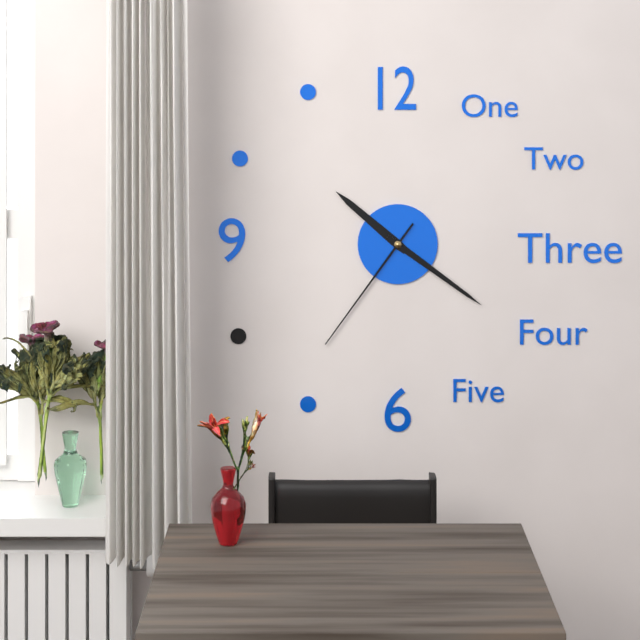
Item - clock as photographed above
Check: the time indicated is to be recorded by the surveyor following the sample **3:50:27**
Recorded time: **10:21:36**
